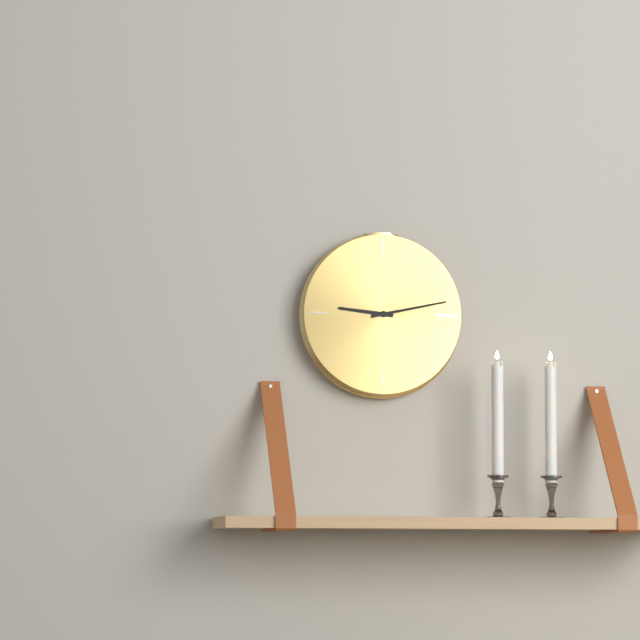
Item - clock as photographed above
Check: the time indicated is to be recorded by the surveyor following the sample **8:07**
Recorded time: **9:13**
